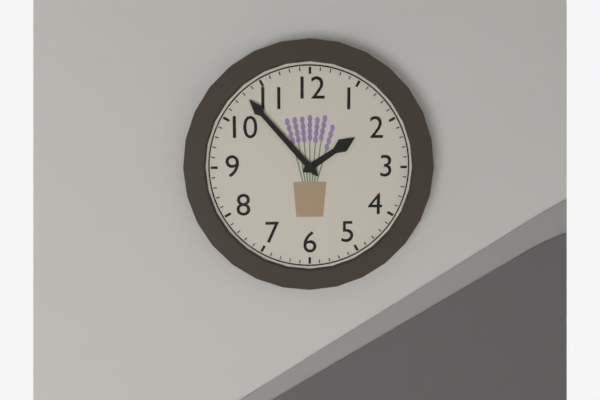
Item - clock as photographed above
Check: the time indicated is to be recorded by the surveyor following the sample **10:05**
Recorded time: **1:53**
